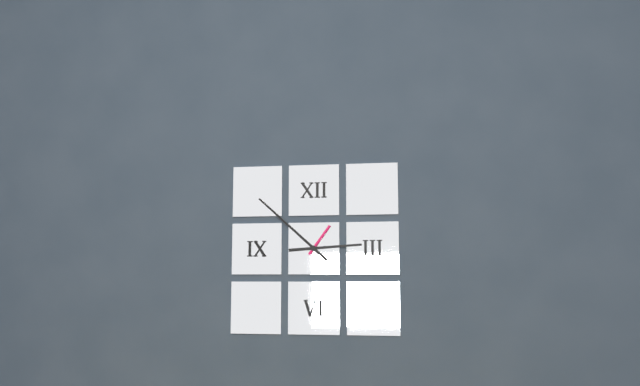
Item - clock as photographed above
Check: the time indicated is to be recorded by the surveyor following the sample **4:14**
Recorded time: **2:52**
